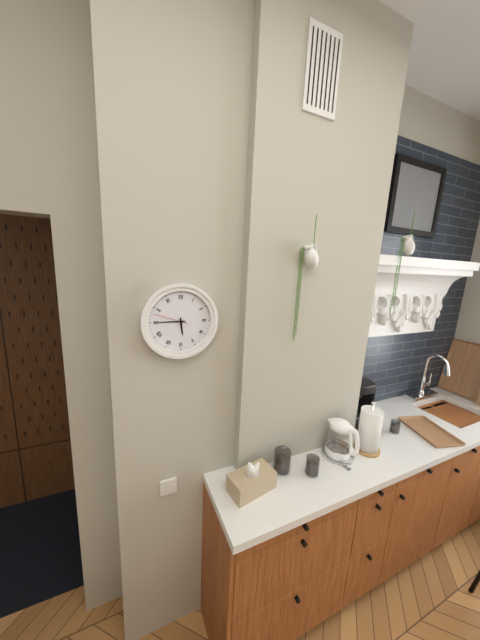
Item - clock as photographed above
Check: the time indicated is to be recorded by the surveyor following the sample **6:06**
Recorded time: **5:45**
